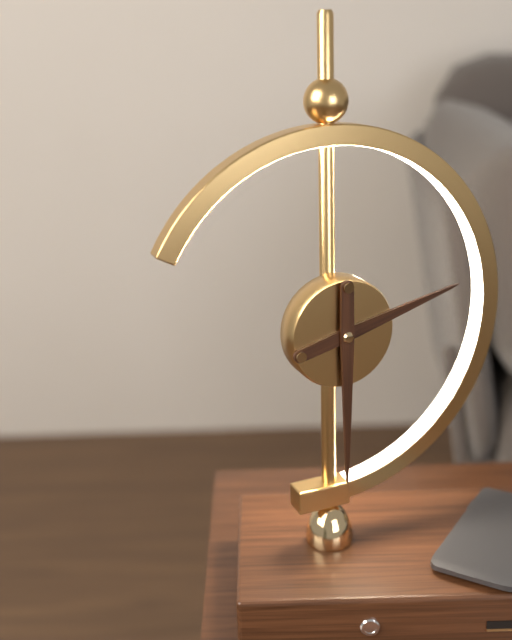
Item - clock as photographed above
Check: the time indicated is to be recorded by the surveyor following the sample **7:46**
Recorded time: **2:30**
